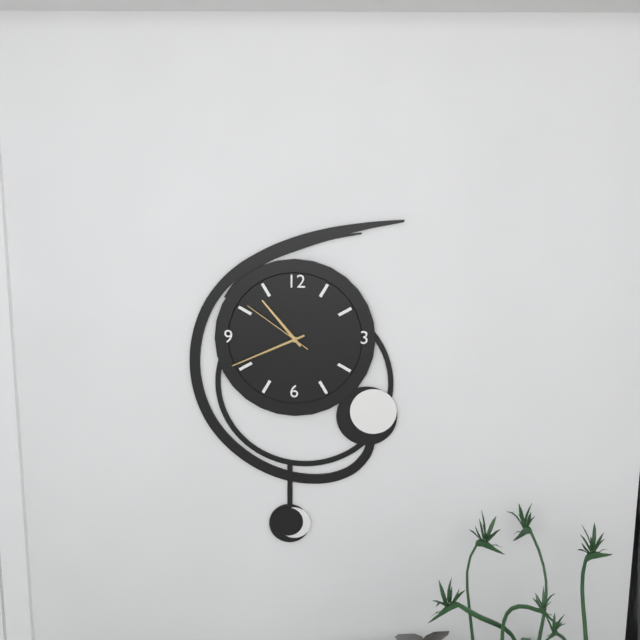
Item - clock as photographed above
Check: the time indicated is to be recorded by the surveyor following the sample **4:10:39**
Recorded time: **10:41:51**
